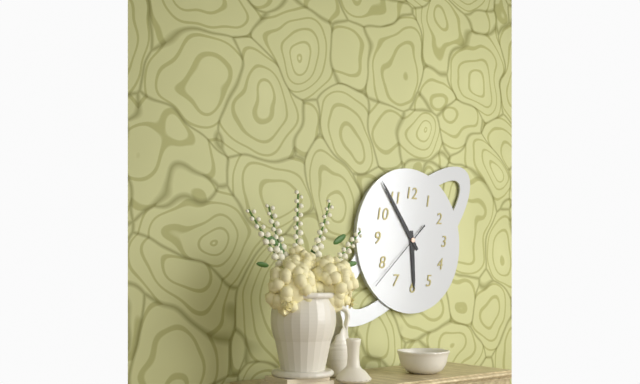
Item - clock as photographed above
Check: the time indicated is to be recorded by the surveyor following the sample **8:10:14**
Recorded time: **5:54:38**
